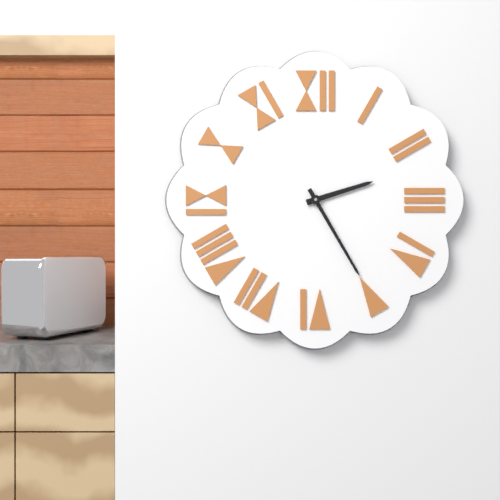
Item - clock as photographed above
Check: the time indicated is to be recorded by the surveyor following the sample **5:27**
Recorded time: **2:25**
